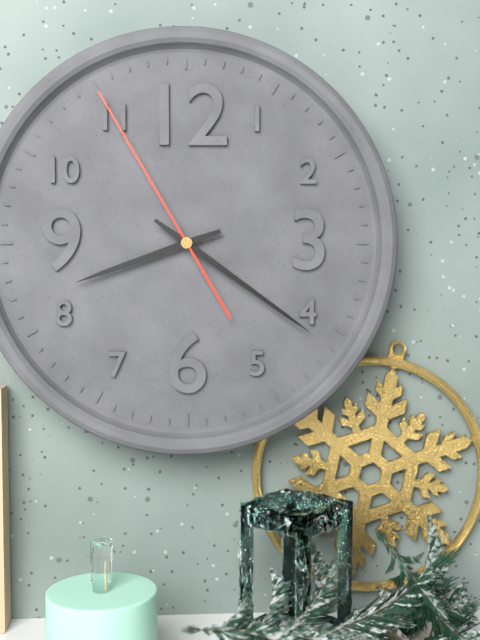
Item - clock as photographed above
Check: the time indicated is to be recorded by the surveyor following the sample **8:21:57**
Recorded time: **8:21:55**
